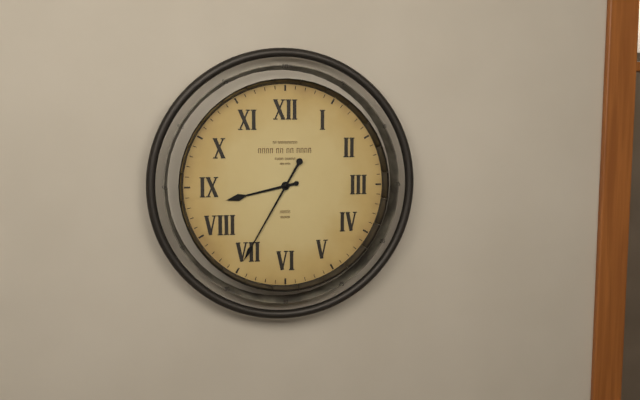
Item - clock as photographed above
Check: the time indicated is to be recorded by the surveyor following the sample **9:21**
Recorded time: **8:35**
